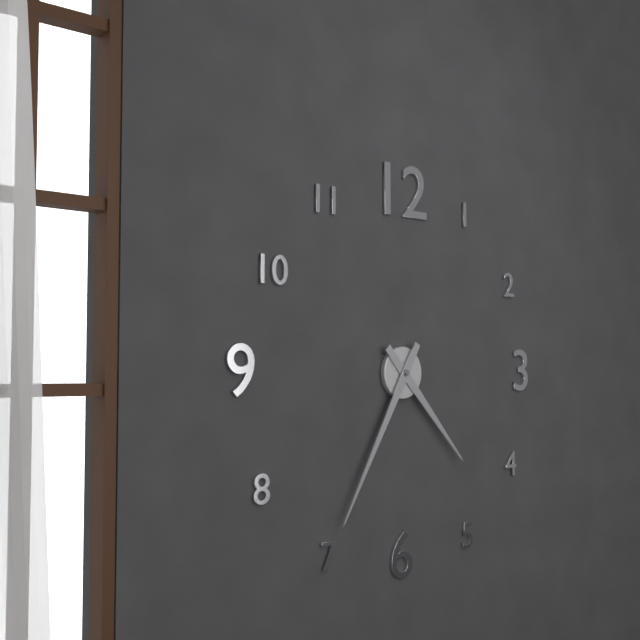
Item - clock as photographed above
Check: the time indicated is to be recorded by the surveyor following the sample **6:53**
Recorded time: **4:35**
